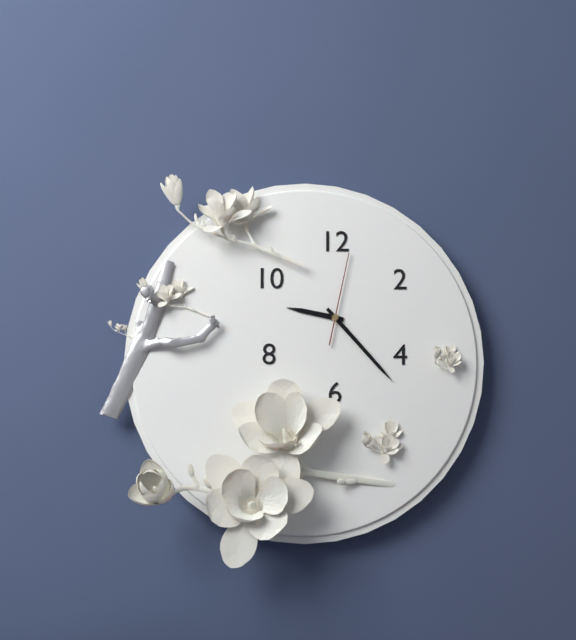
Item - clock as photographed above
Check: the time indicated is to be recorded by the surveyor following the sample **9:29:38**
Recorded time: **9:23:02**
